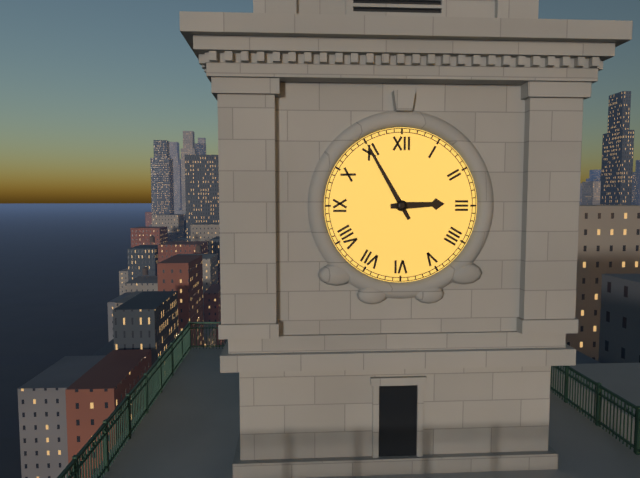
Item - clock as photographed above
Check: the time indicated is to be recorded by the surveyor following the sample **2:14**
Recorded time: **2:55**
